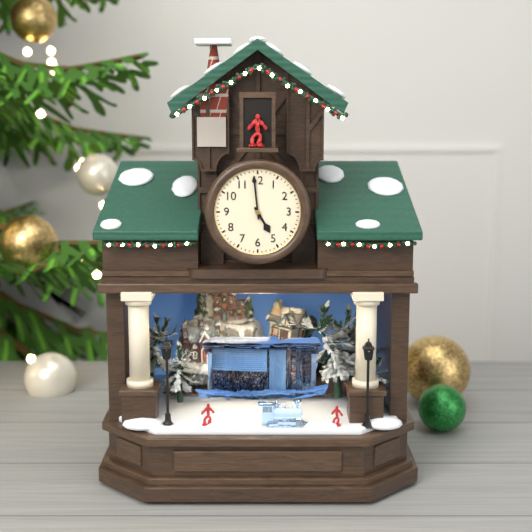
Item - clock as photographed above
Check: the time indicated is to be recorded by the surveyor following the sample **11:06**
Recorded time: **4:59**
